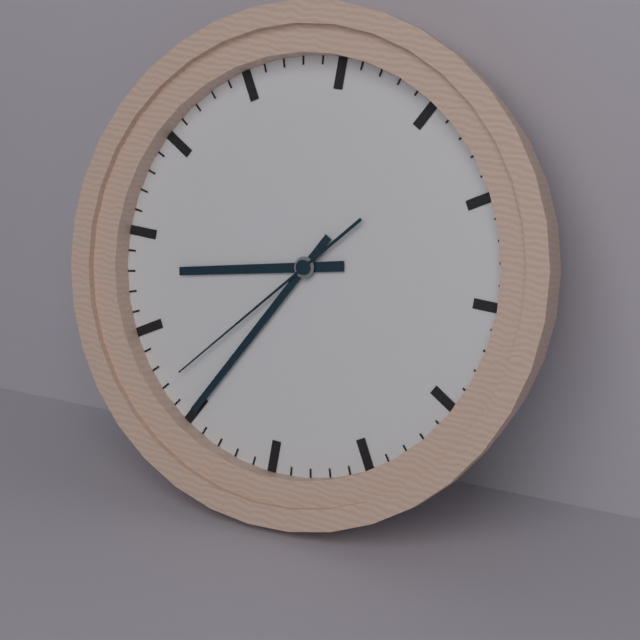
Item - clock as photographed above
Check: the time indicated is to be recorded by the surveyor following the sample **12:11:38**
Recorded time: **8:35:37**
